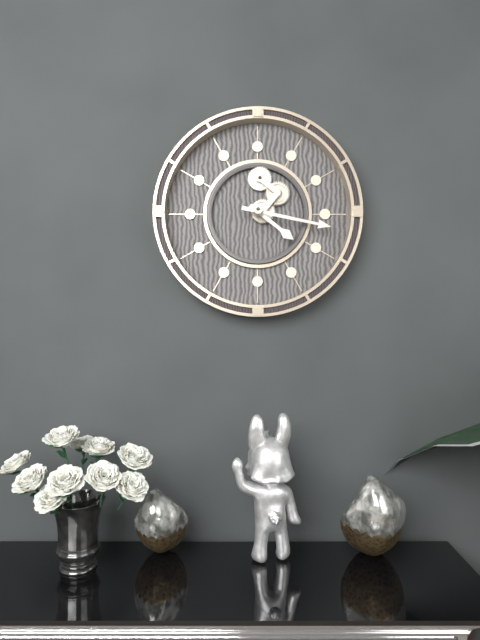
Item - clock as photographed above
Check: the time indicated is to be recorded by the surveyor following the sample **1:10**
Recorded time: **4:17**
